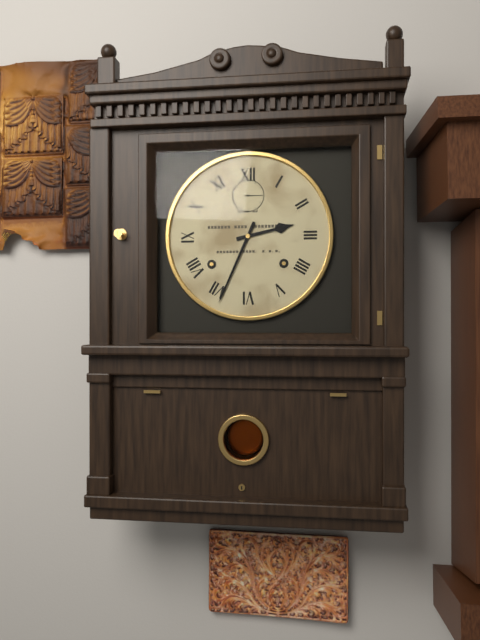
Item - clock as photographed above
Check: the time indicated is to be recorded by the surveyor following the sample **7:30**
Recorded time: **2:34**
